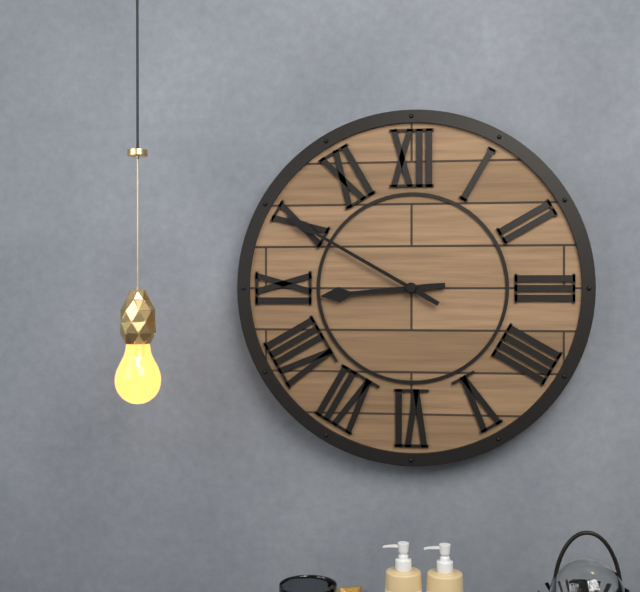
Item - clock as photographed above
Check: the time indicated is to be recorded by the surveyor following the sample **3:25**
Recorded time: **8:50**
